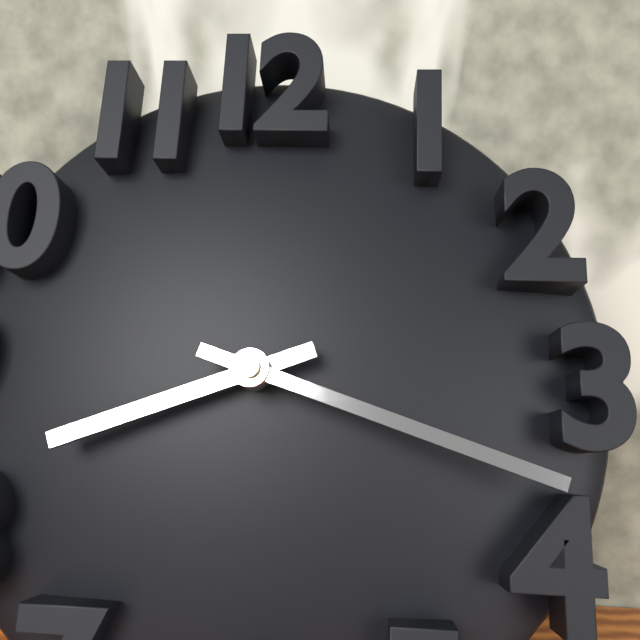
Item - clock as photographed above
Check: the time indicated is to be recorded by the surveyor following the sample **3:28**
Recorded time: **8:18**
